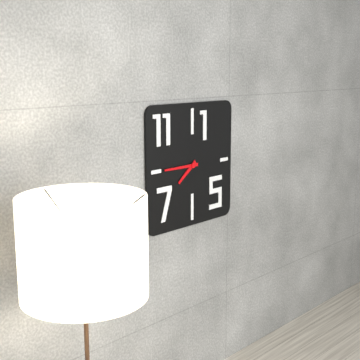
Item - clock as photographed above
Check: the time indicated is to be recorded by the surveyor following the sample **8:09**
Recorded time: **7:45**
